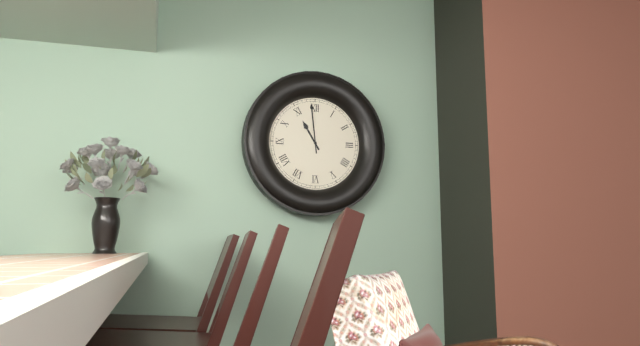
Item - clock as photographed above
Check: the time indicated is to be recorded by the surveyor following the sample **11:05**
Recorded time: **10:59**
